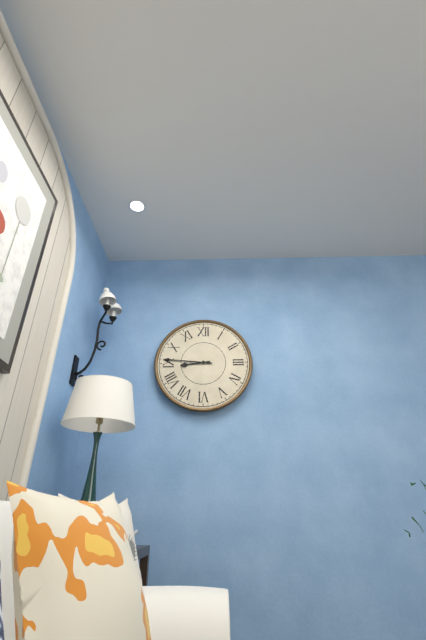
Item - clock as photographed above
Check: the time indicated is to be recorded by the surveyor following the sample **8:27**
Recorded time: **8:46**
